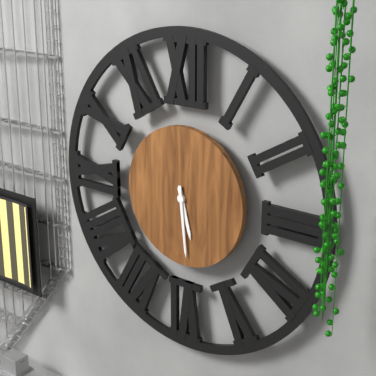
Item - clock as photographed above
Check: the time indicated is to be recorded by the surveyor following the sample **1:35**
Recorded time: **5:29**
